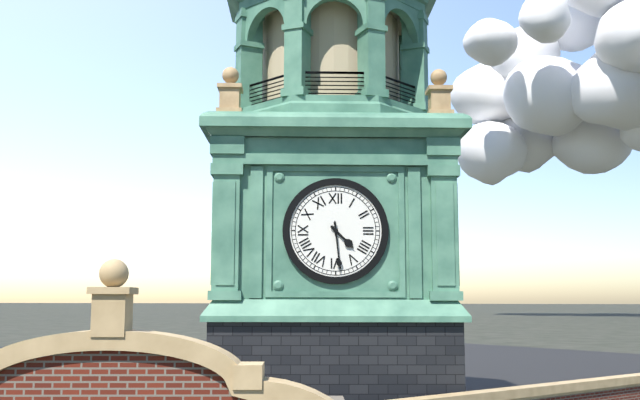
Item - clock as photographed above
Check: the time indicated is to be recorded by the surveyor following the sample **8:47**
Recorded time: **4:29**
